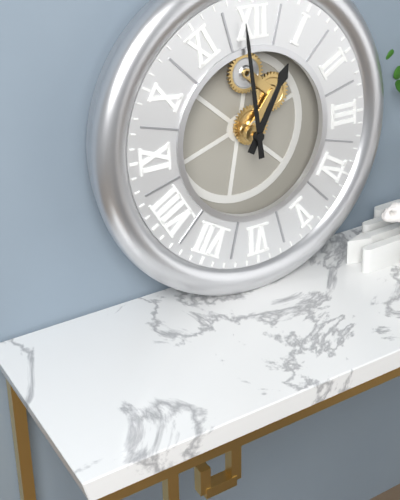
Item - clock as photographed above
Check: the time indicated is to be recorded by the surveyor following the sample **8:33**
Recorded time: **12:59**
